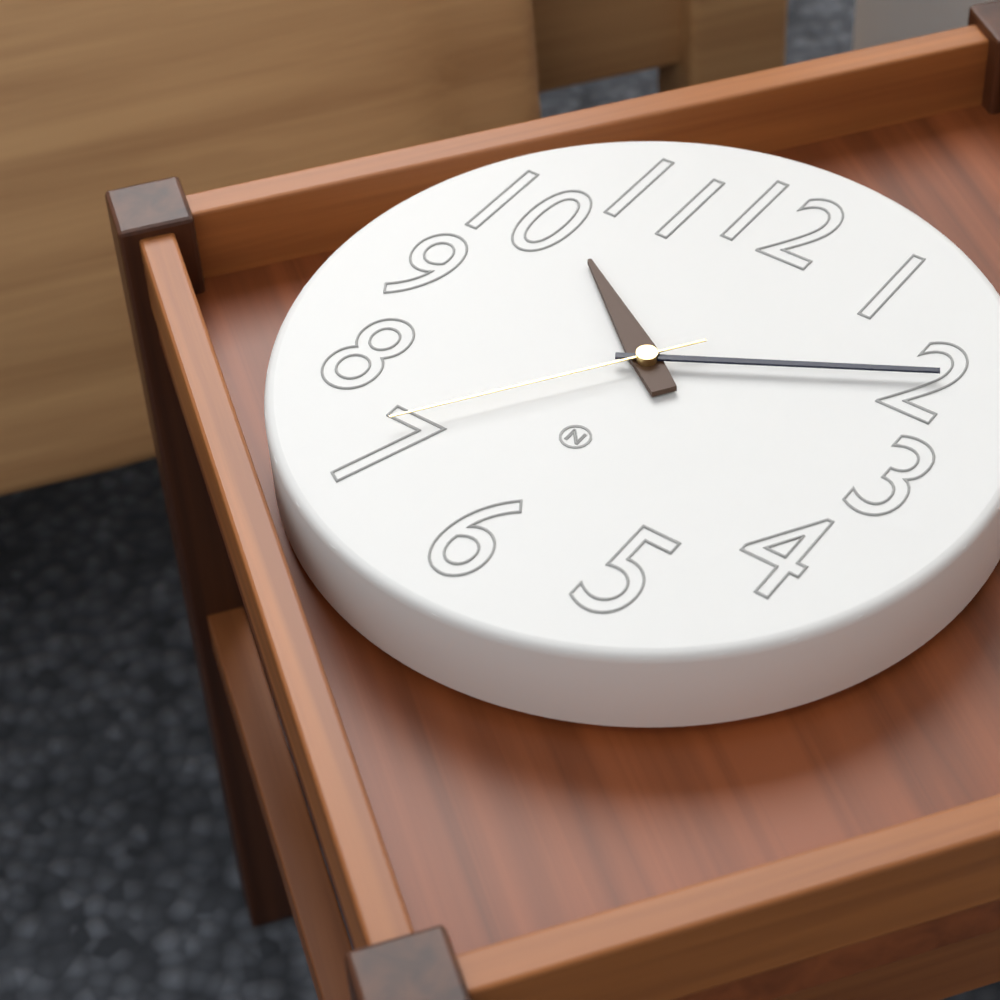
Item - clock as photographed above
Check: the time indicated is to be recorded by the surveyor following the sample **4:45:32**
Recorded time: **10:10:36**
